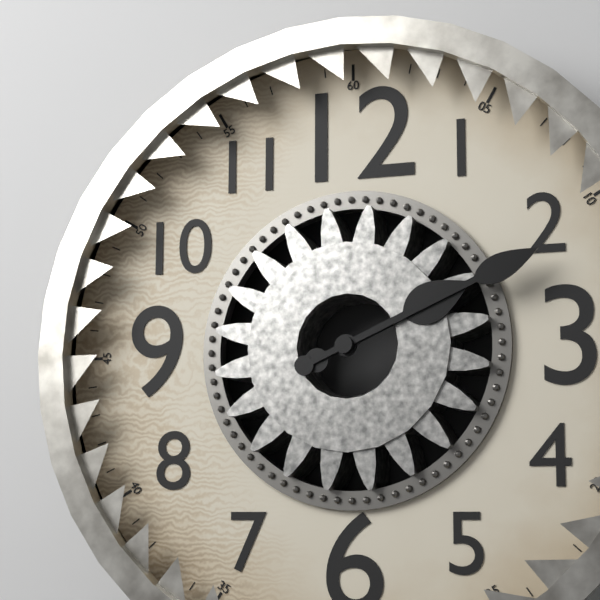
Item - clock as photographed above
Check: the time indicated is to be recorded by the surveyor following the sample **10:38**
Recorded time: **2:11**
